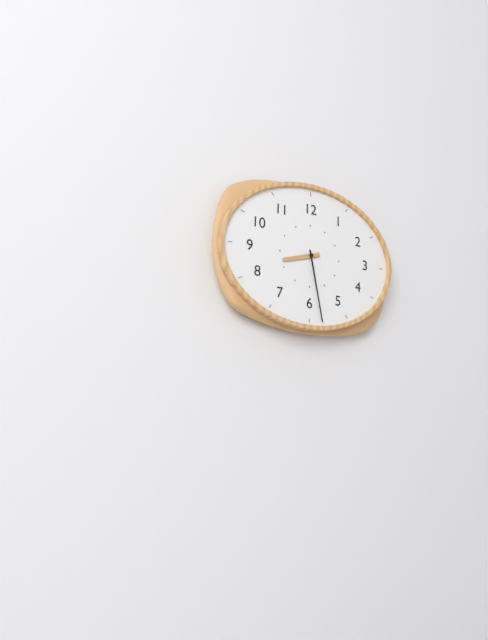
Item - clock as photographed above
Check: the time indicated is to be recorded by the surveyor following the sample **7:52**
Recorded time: **8:28**
